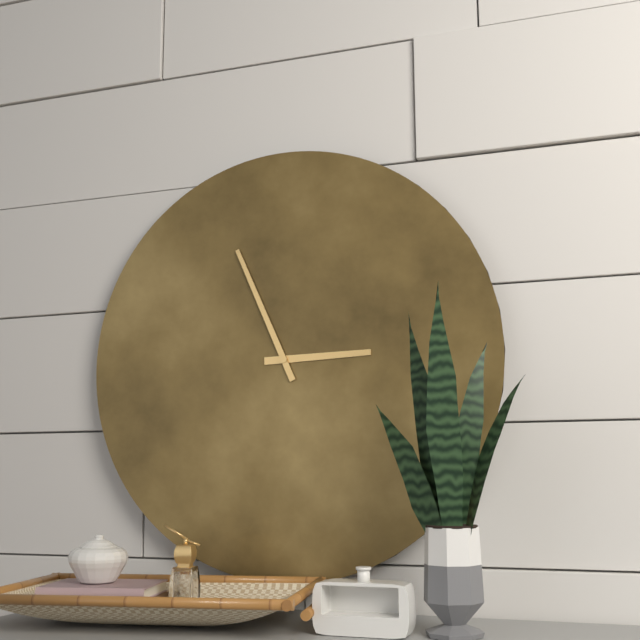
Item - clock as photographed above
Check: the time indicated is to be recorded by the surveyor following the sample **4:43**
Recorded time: **2:56**
